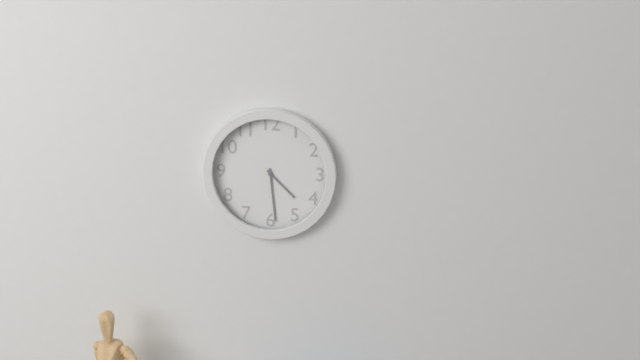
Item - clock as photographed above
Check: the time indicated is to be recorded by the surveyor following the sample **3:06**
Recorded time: **4:29**
